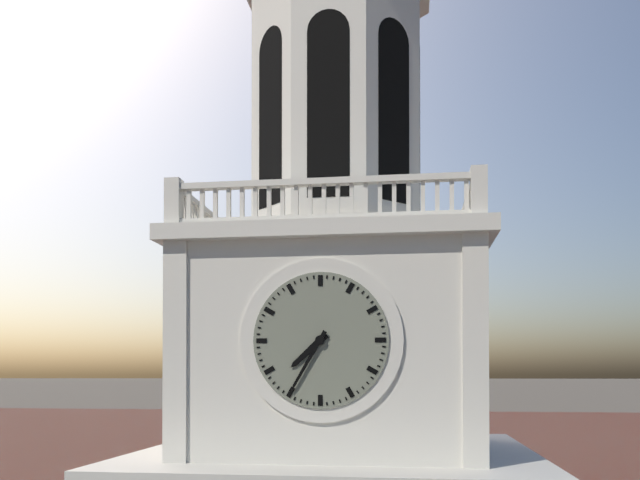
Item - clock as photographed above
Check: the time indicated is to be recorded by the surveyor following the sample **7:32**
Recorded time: **7:35**
